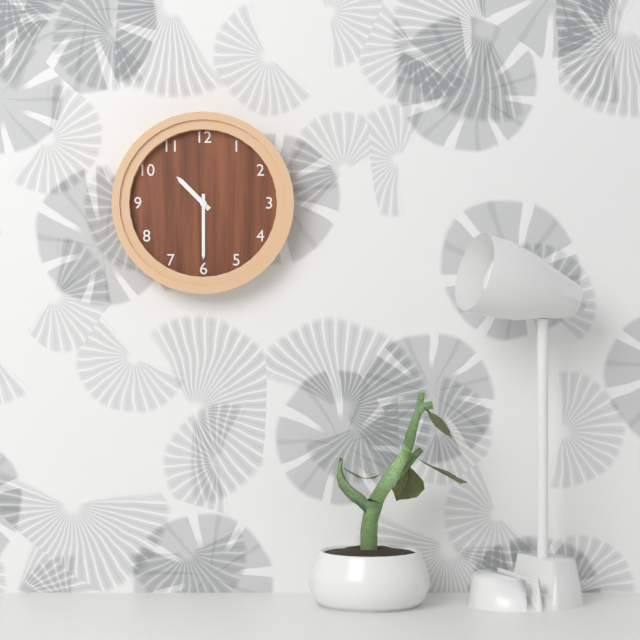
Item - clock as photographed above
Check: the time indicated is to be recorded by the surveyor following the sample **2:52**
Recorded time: **10:30**
